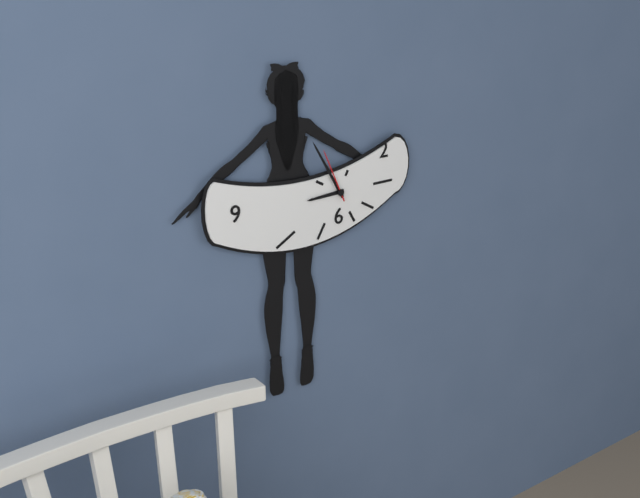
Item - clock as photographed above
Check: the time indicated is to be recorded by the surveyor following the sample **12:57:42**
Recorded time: **8:55:56**
